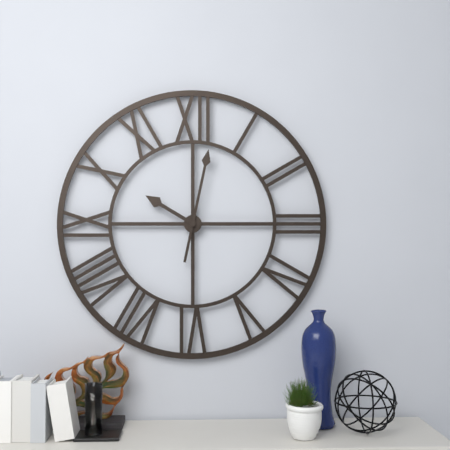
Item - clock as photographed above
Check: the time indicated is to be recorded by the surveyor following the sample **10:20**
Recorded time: **10:02**
